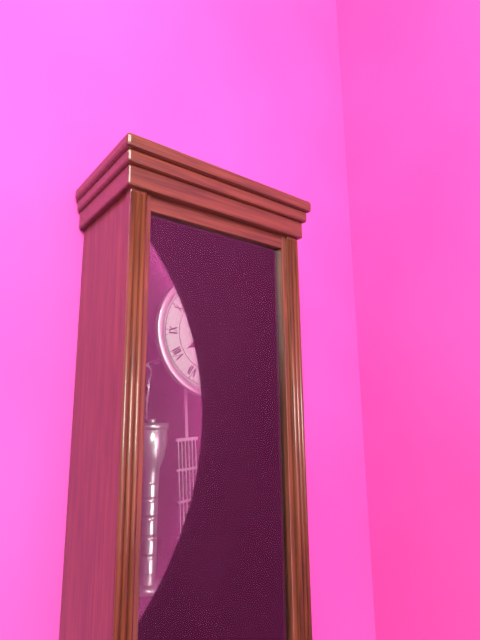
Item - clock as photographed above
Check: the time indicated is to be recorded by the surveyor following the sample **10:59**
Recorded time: **8:00**
